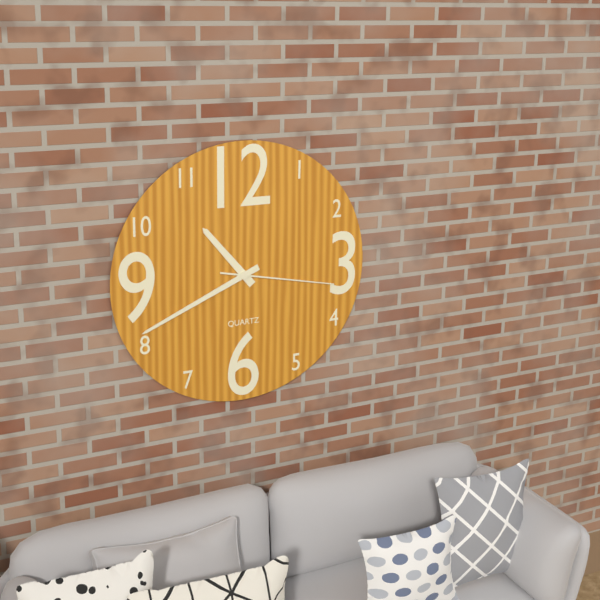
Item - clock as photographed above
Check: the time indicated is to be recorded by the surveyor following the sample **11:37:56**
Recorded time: **10:41:17**
